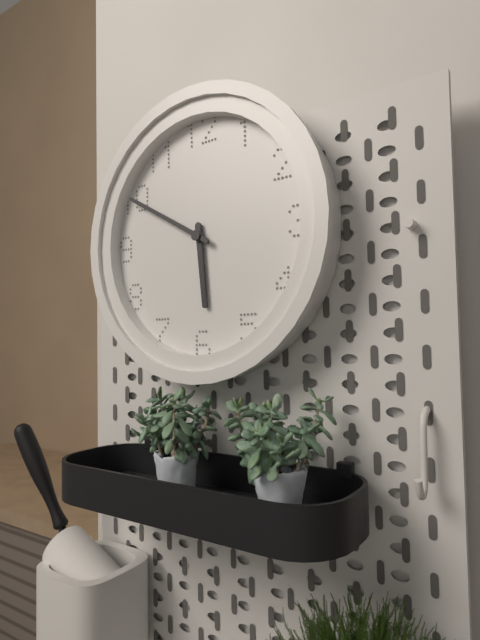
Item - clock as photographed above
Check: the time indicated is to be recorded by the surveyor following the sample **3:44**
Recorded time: **5:50**
